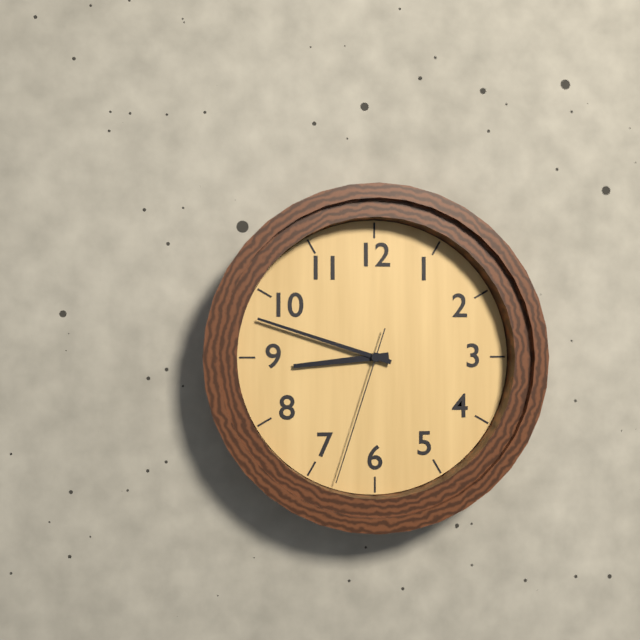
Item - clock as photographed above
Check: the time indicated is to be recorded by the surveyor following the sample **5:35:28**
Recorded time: **8:48:33**
